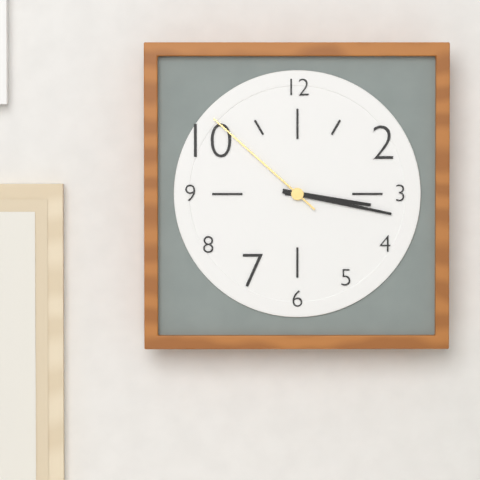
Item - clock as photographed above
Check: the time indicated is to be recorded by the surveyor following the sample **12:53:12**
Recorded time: **3:17:52**
